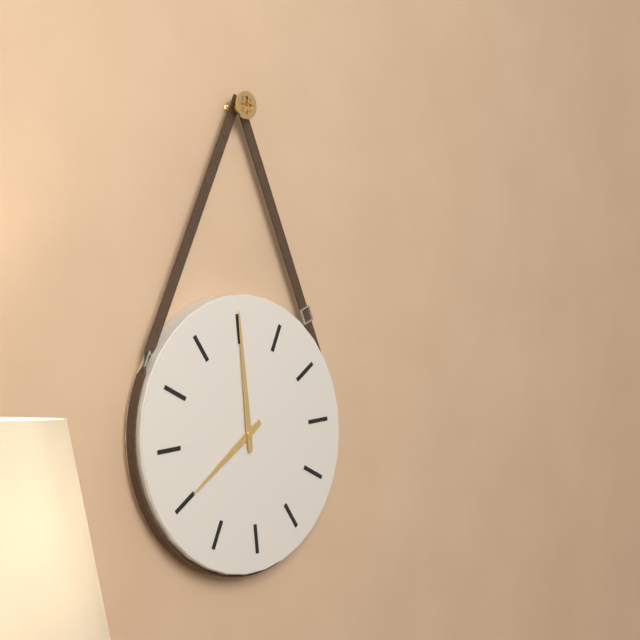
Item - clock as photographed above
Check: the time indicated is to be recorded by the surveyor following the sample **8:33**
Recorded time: **8:00**
